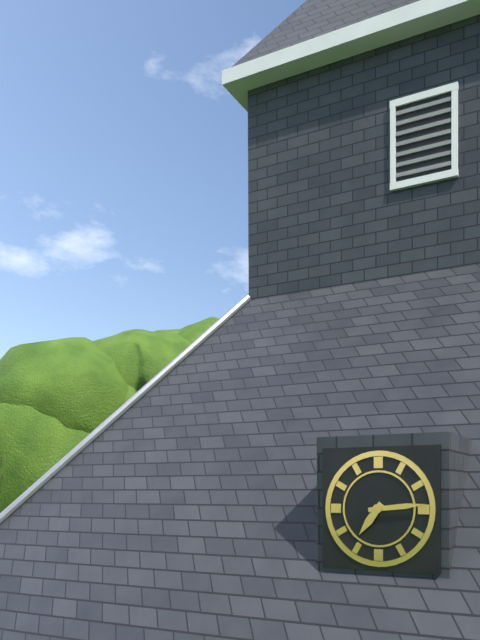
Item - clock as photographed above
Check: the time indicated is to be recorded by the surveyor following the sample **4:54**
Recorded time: **7:14**
